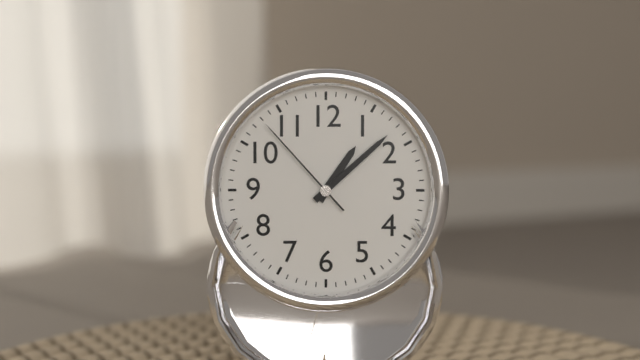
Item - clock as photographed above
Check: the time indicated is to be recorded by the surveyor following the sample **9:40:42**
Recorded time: **1:08:53**
